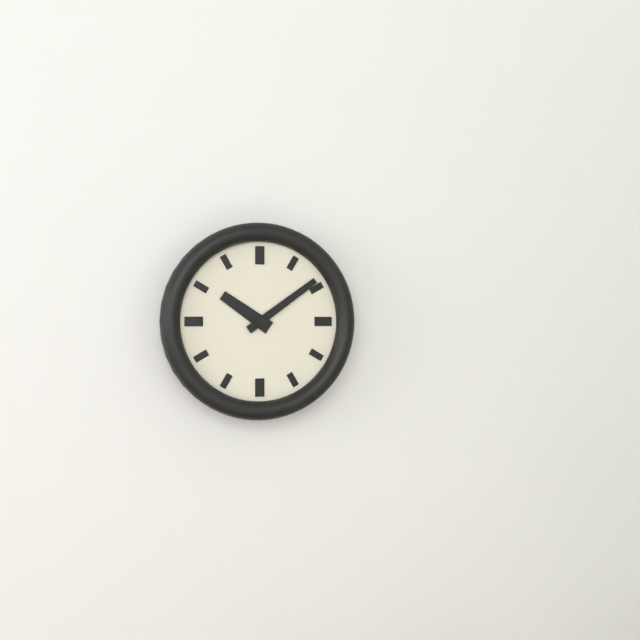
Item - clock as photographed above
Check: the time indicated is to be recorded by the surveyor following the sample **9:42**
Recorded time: **10:09**
